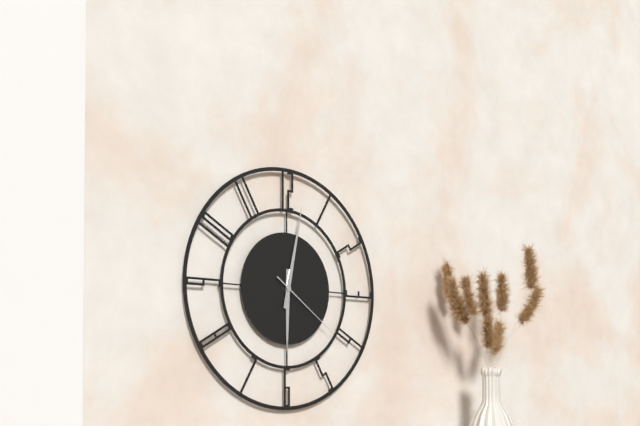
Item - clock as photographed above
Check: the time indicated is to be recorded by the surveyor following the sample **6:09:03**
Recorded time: **6:02:21**
